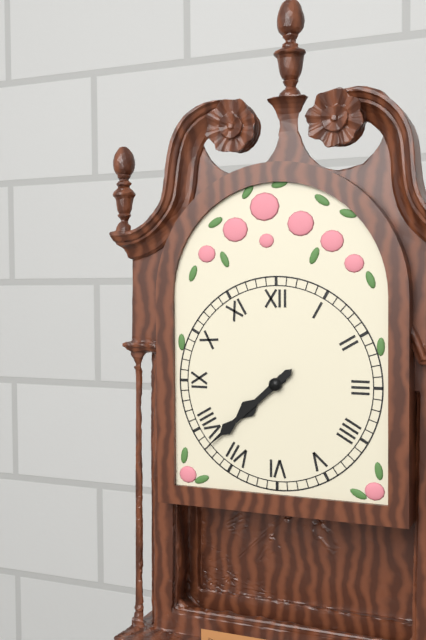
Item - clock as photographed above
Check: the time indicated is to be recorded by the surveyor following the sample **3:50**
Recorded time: **7:38**
